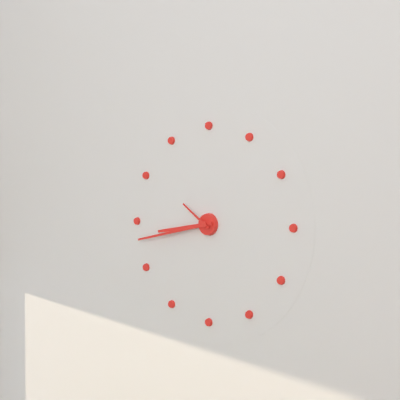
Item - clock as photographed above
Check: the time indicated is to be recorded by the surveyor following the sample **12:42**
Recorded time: **8:43**
